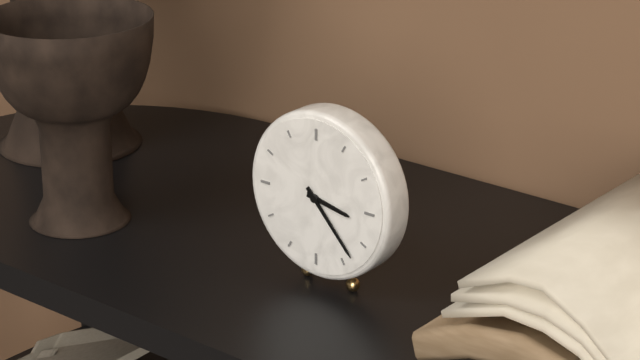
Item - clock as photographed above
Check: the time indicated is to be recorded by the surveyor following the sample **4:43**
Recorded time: **3:23**
